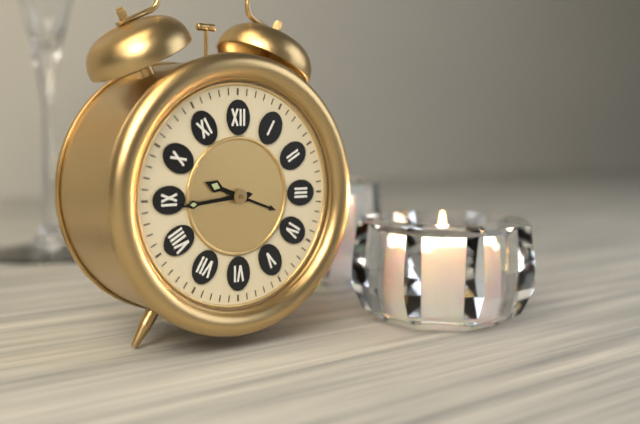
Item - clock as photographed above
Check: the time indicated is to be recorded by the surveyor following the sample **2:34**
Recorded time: **9:44**
